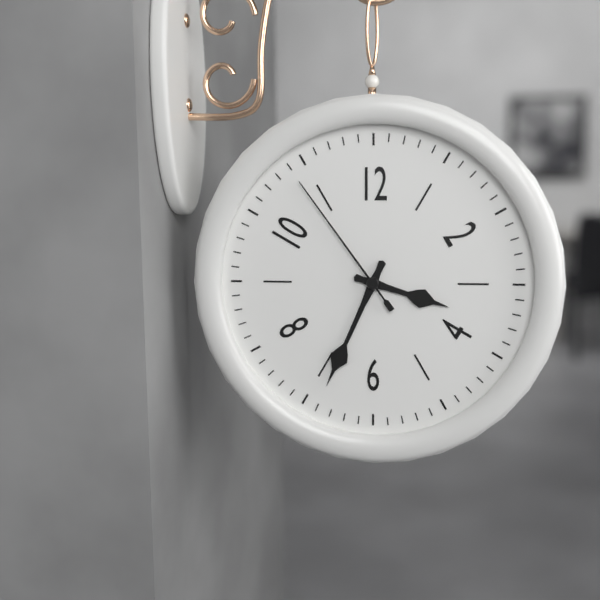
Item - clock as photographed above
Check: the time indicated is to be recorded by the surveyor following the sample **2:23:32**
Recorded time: **3:34:54**
